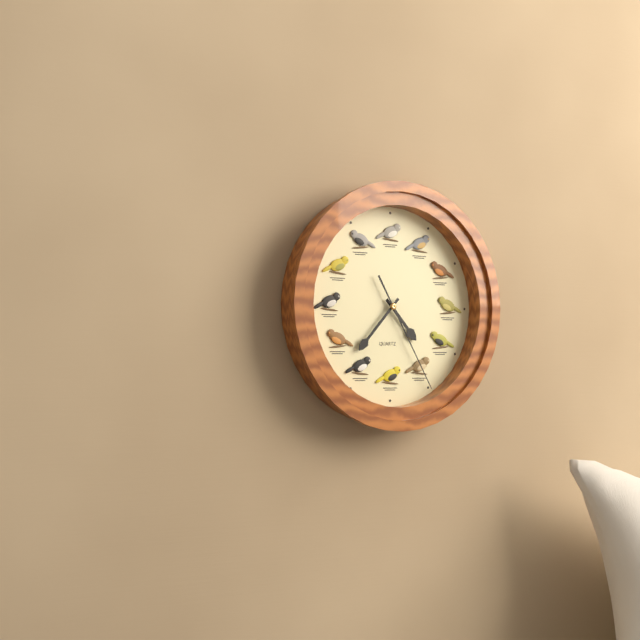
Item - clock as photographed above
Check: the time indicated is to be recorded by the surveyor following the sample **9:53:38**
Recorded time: **4:37:25**
